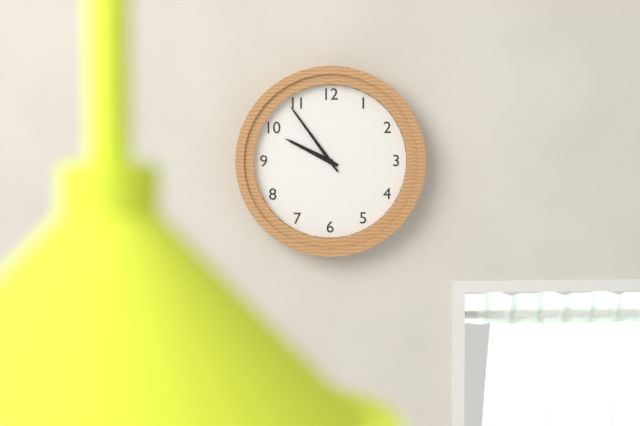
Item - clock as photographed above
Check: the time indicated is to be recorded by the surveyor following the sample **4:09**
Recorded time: **9:54**
